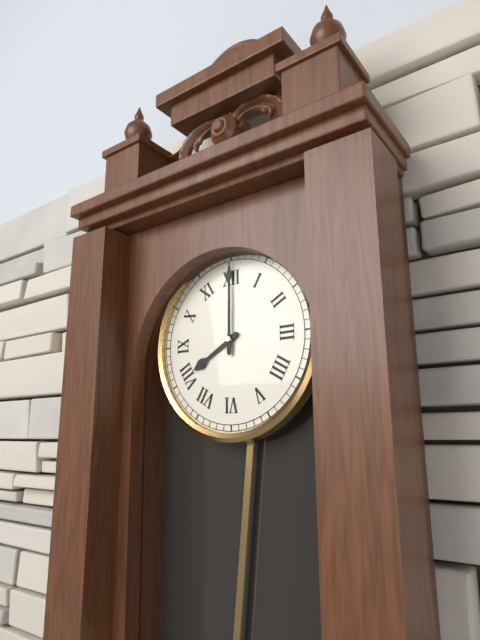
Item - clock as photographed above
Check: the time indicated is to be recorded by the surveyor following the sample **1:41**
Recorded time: **8:00**
